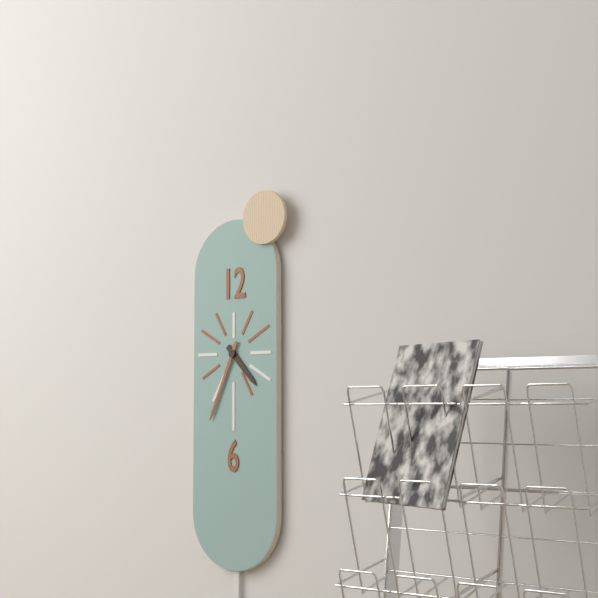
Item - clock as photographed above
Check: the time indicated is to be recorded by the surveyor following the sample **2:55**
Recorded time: **4:34**
